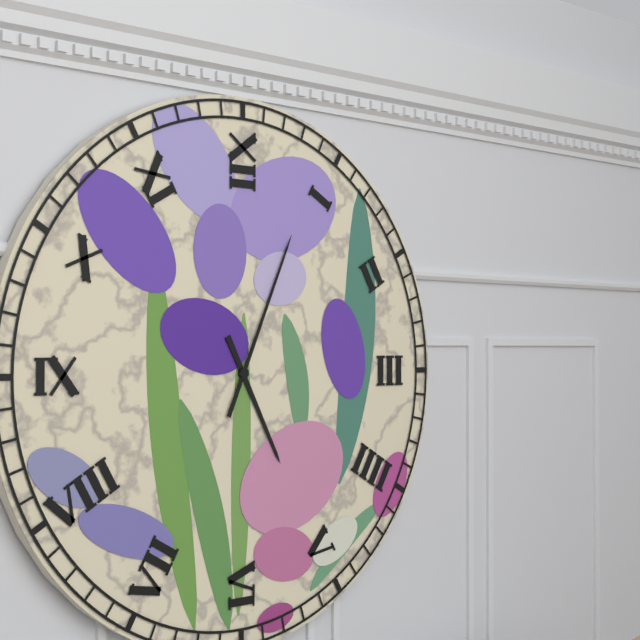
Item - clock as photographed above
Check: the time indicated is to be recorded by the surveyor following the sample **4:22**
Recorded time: **5:04**
